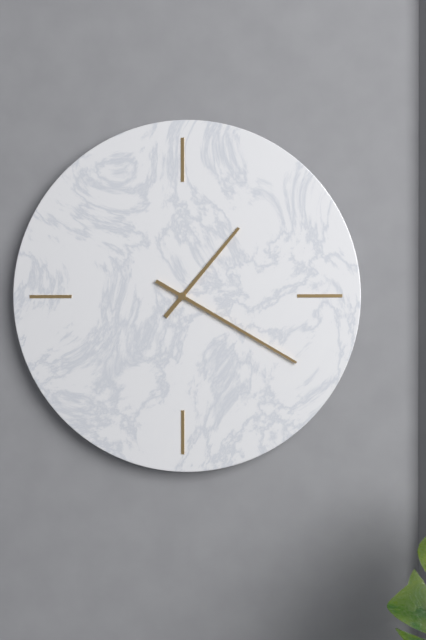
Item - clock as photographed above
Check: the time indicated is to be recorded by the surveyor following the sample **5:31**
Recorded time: **1:20**
